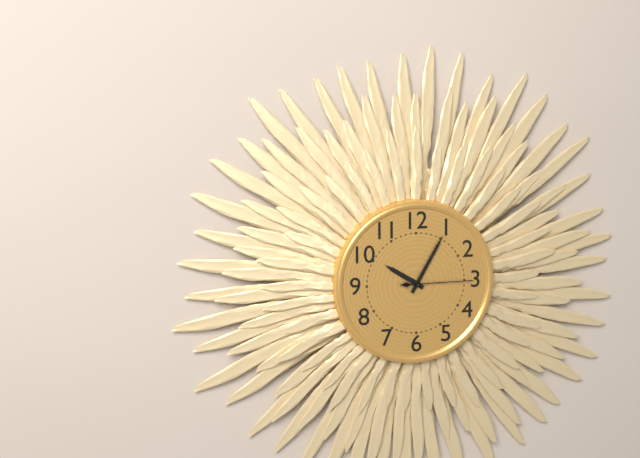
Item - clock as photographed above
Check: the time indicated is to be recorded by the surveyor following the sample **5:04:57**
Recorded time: **10:05:15**
